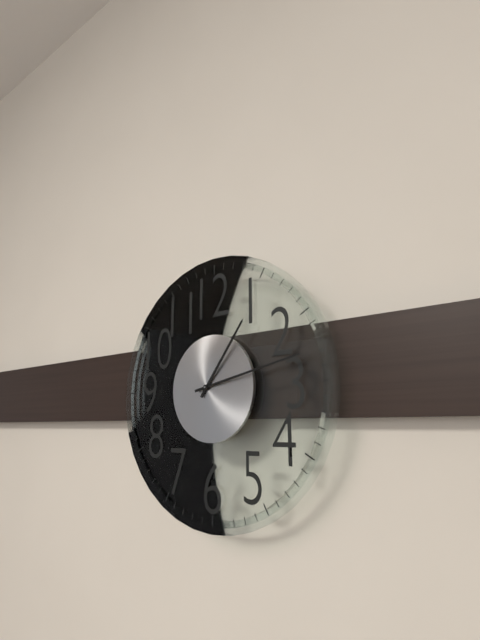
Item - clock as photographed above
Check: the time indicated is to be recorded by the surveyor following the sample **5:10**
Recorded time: **1:13**
